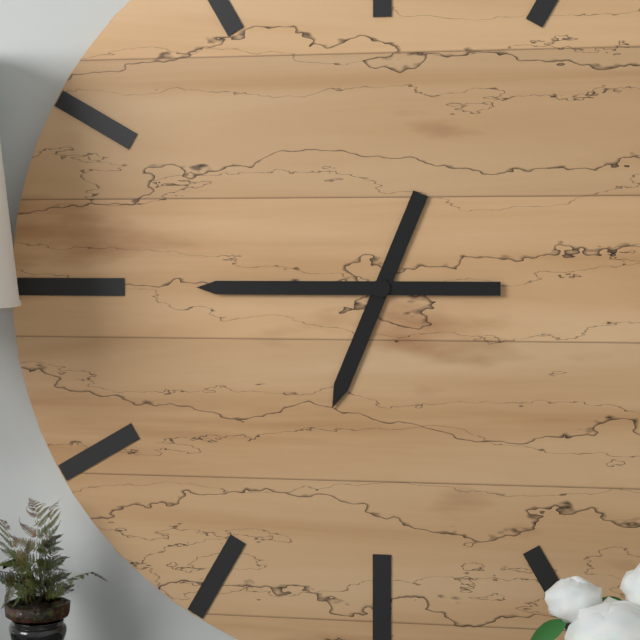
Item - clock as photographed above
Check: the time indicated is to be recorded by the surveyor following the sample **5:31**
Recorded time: **6:45**
